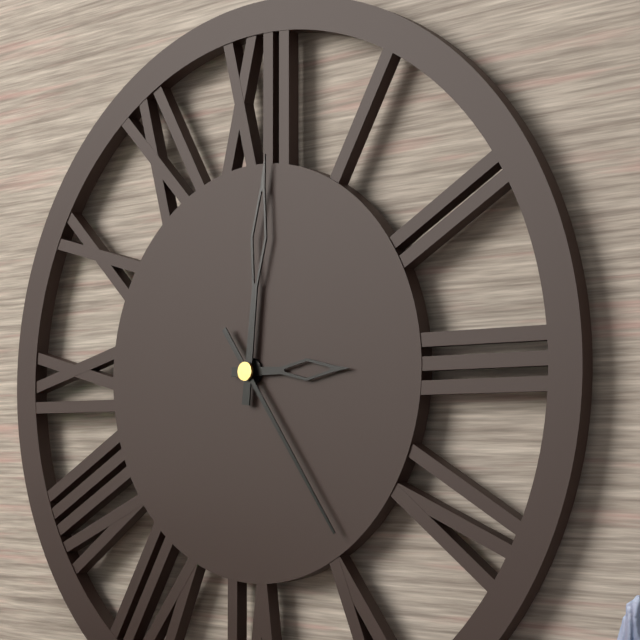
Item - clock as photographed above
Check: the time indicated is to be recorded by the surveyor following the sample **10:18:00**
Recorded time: **3:01:24**
